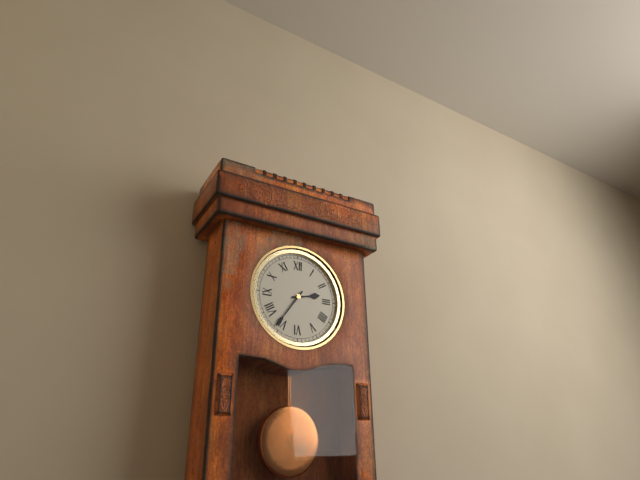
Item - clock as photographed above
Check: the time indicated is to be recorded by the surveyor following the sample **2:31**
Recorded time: **2:36**
